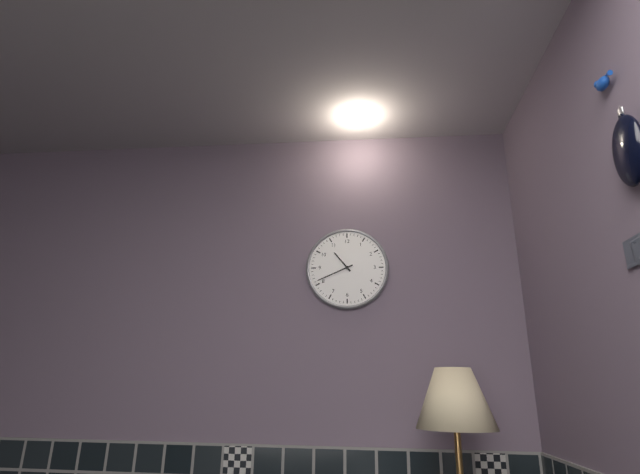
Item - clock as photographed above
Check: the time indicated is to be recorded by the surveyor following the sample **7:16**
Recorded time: **10:41**
